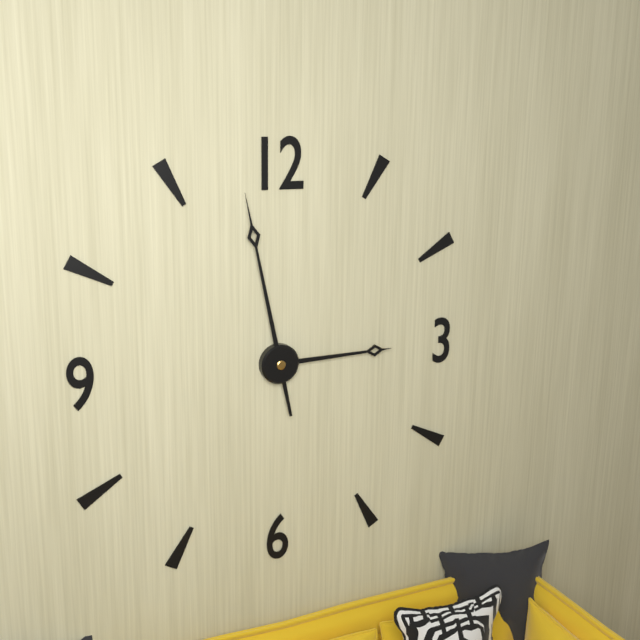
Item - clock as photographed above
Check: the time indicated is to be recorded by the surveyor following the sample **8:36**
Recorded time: **2:58**
